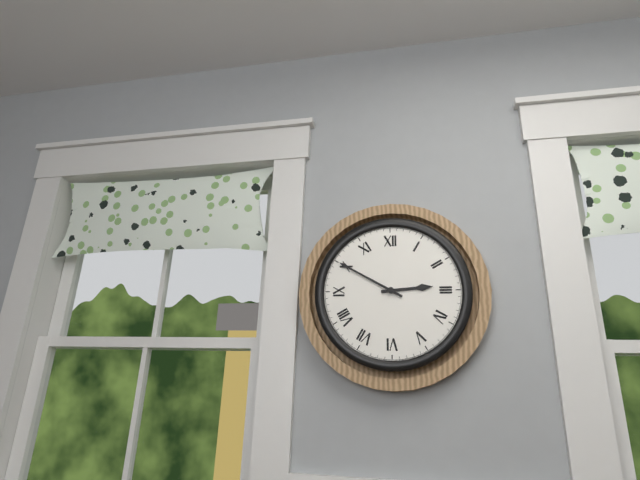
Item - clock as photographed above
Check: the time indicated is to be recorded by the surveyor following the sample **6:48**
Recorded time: **2:50**
